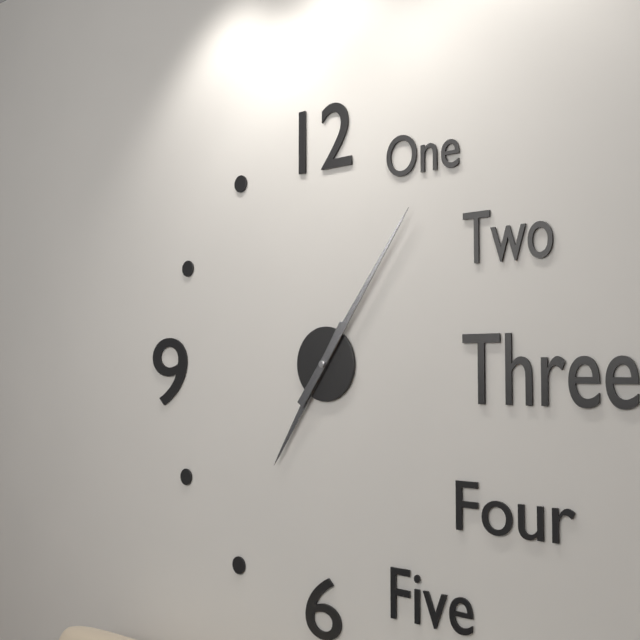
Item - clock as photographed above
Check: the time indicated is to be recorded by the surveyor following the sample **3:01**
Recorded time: **7:06**
